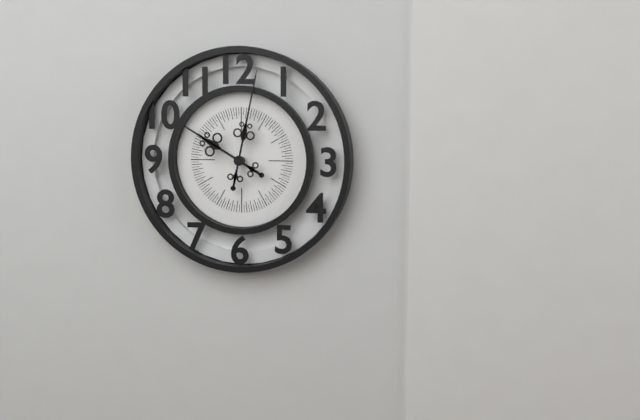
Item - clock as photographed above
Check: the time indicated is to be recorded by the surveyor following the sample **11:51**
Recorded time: **10:02**
